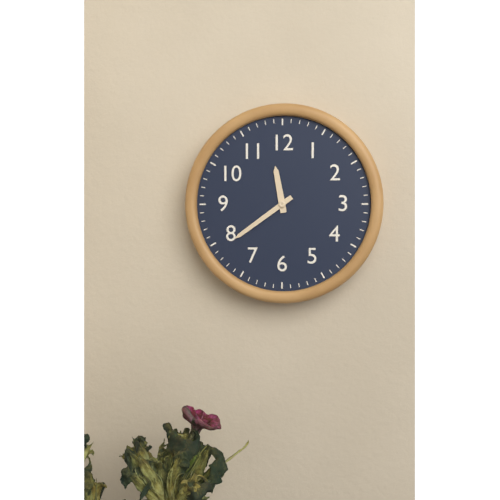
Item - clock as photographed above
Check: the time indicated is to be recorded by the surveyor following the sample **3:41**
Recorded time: **11:39**
